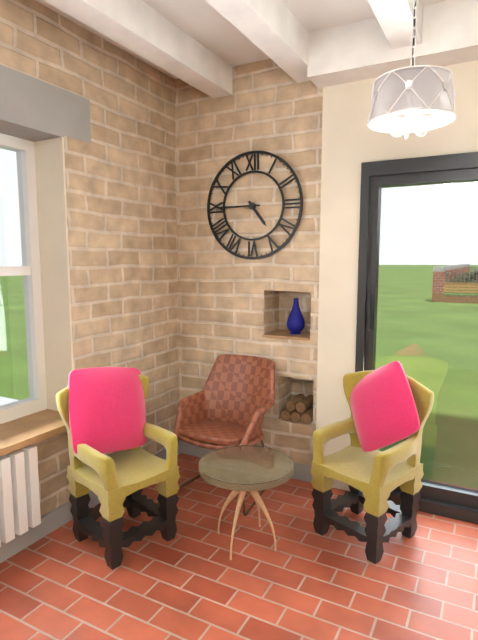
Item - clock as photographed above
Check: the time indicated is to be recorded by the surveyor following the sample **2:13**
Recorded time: **4:45**
